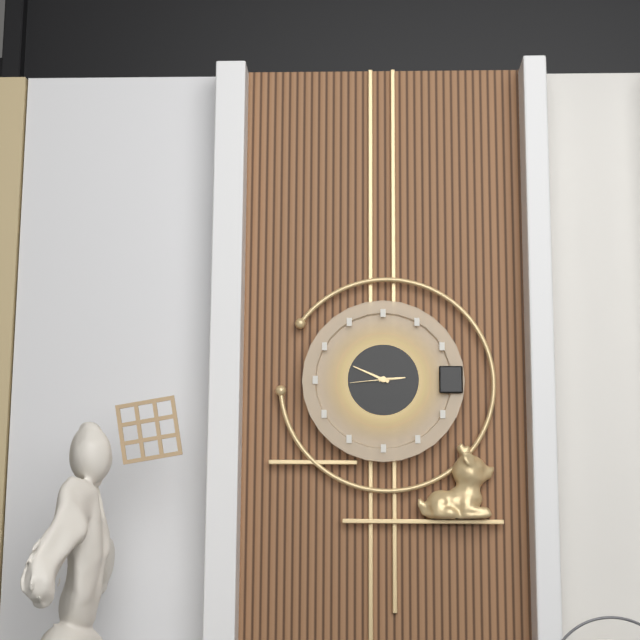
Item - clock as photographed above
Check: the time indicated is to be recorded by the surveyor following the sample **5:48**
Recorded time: **2:49**
